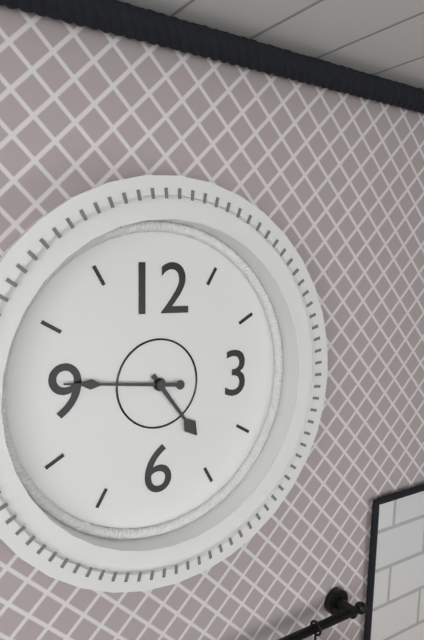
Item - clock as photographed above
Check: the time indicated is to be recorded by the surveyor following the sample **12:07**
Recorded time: **4:46**
